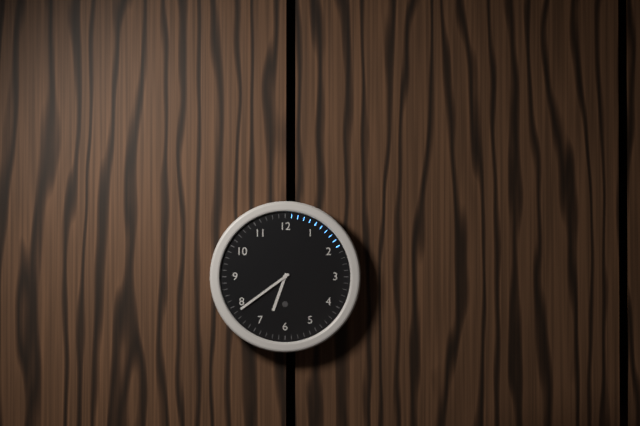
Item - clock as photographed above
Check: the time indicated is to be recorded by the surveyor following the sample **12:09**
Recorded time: **6:39**
